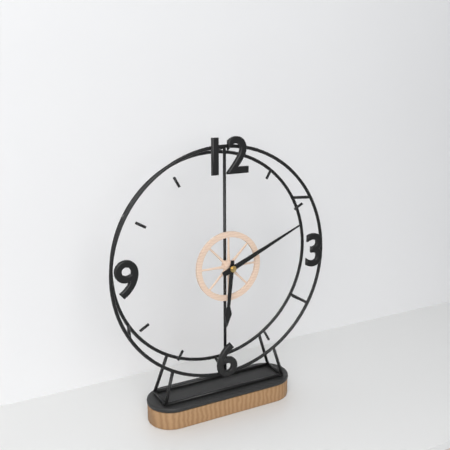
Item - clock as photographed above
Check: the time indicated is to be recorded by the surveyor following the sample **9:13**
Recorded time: **6:11**
